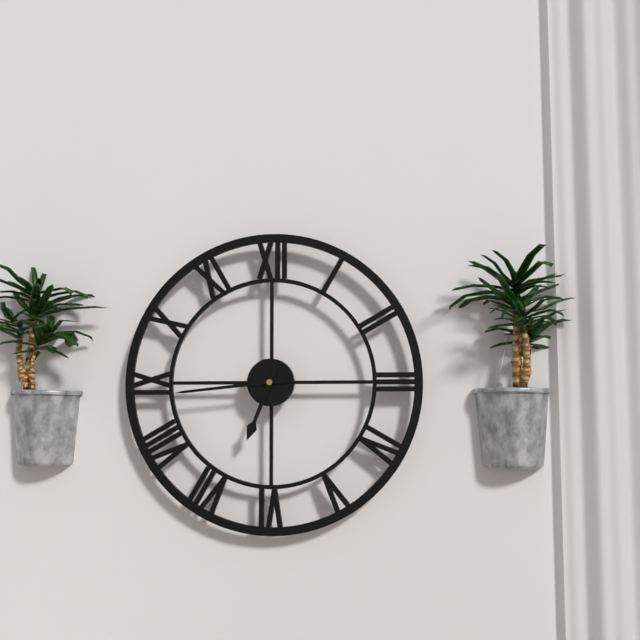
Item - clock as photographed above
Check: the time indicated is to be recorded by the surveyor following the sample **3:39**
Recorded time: **6:44**
